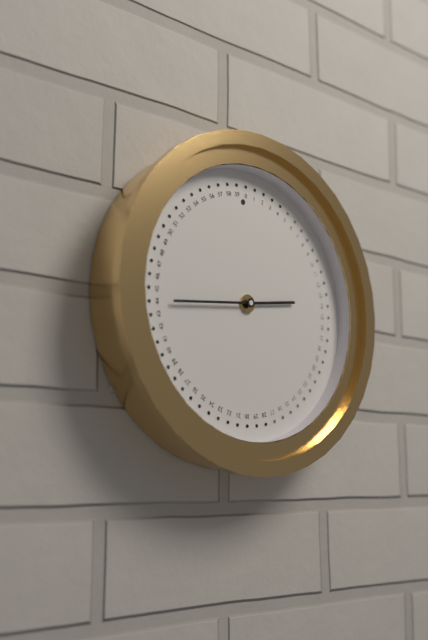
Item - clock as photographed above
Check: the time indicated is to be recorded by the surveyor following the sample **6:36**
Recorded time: **2:44**
